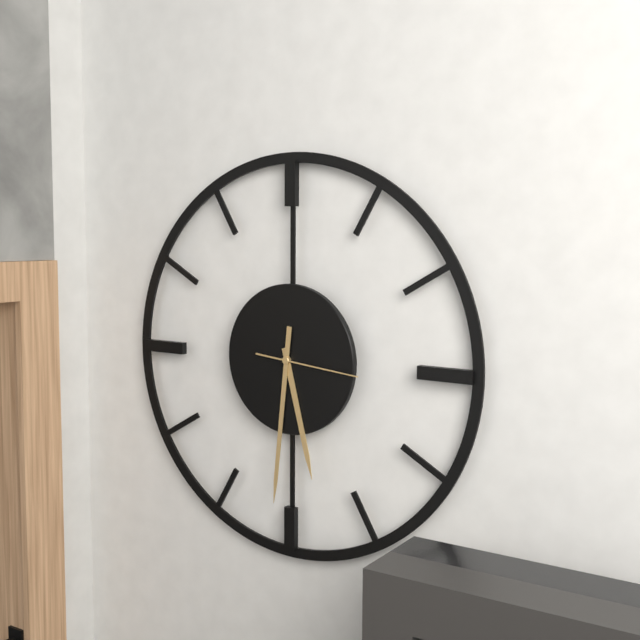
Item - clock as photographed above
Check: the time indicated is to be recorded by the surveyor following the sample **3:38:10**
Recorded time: **5:31:16**
